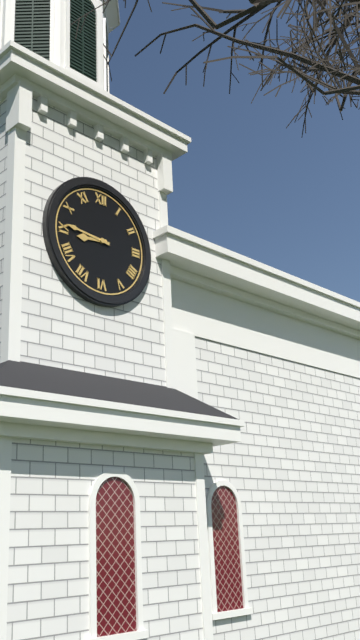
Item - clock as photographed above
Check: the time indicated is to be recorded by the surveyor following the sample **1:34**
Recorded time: **8:46**
